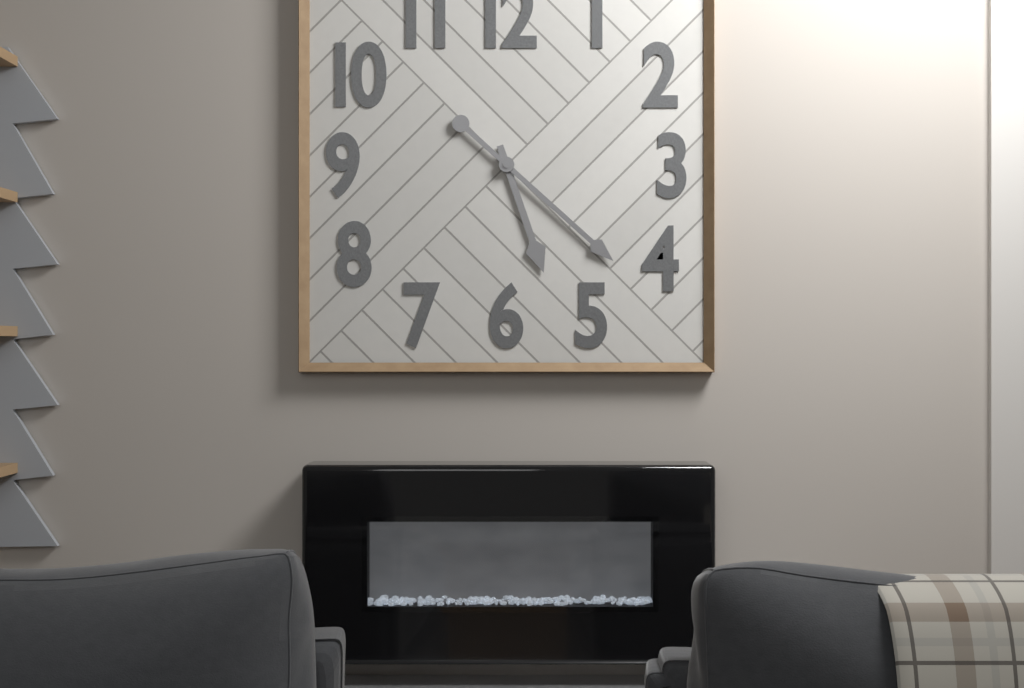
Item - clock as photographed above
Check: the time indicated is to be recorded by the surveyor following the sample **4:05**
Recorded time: **5:22**
